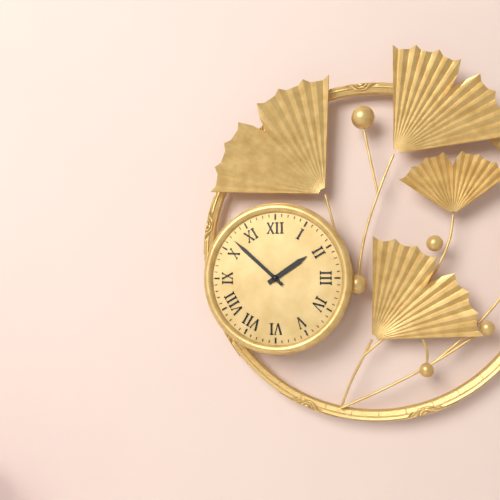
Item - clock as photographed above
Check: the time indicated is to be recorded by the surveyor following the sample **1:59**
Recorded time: **1:52**
